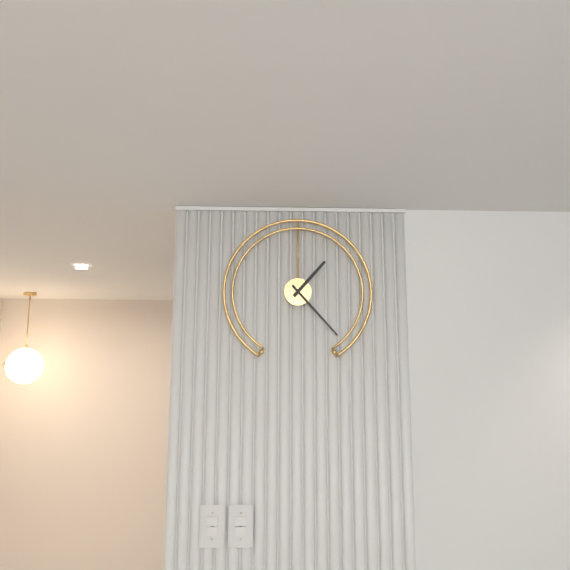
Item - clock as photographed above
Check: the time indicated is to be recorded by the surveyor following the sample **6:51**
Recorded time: **1:23**
